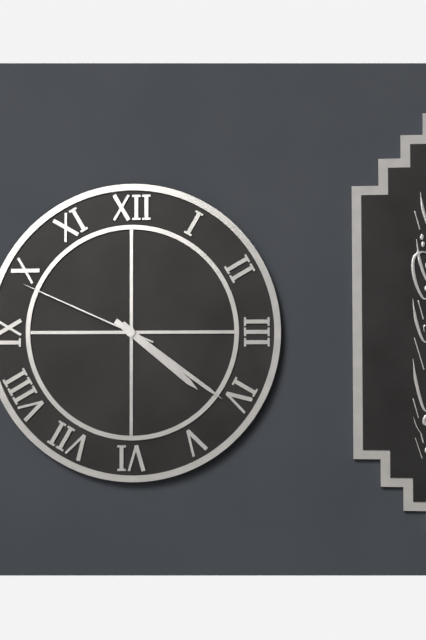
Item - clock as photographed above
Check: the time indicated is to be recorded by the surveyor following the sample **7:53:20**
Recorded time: **4:21:49**
